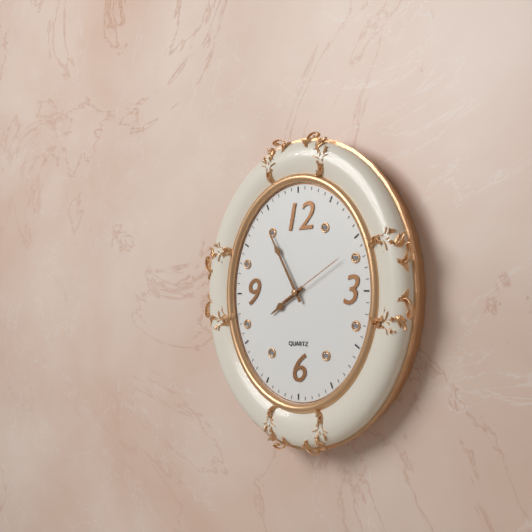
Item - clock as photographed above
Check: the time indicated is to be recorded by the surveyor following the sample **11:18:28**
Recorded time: **7:55:10**
